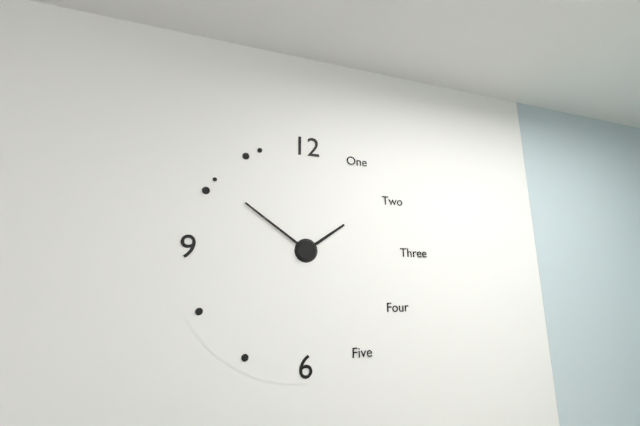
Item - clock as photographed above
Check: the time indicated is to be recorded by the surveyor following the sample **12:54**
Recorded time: **1:51**
